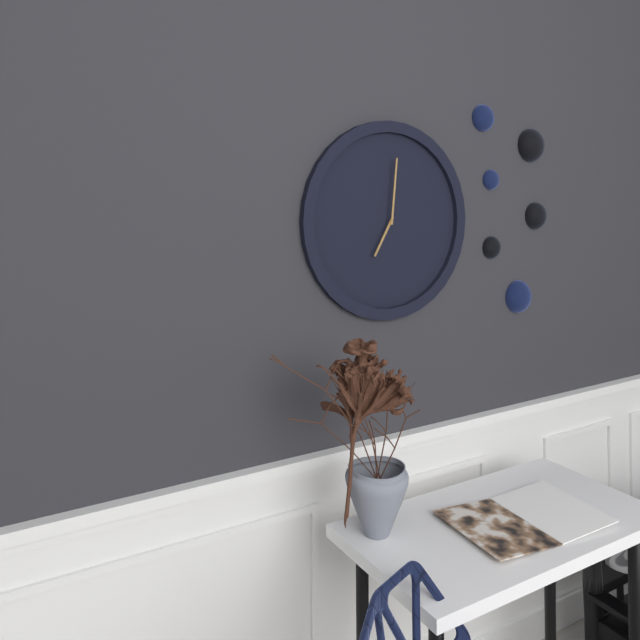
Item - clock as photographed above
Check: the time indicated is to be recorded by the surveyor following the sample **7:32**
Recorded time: **7:01**
